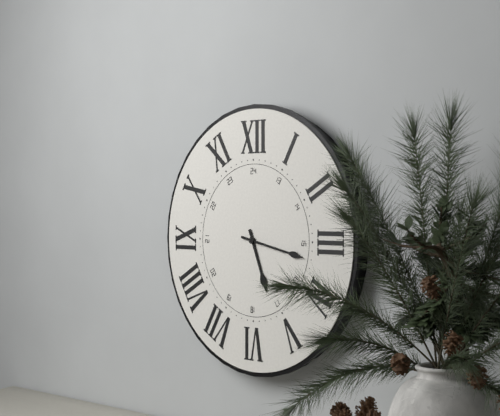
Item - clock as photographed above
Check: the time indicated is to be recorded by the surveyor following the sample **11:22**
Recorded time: **5:17**
